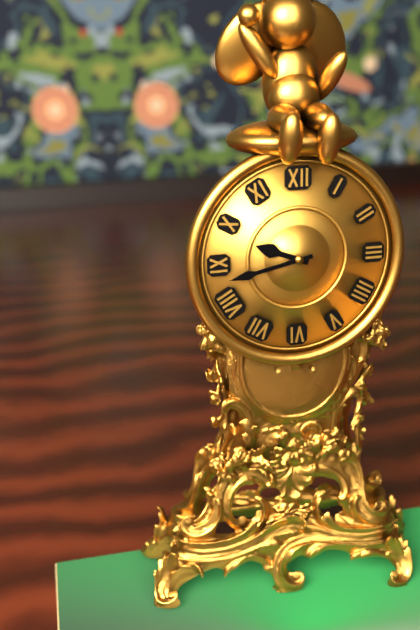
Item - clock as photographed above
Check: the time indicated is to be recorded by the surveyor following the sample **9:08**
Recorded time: **9:43**
